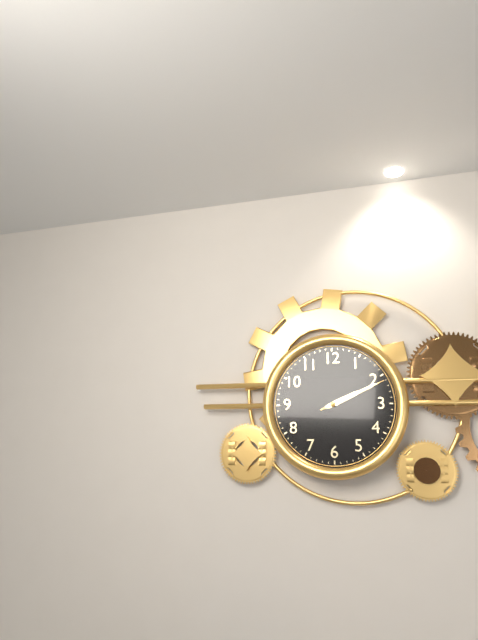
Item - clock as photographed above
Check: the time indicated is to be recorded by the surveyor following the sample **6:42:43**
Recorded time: **2:11:11**
